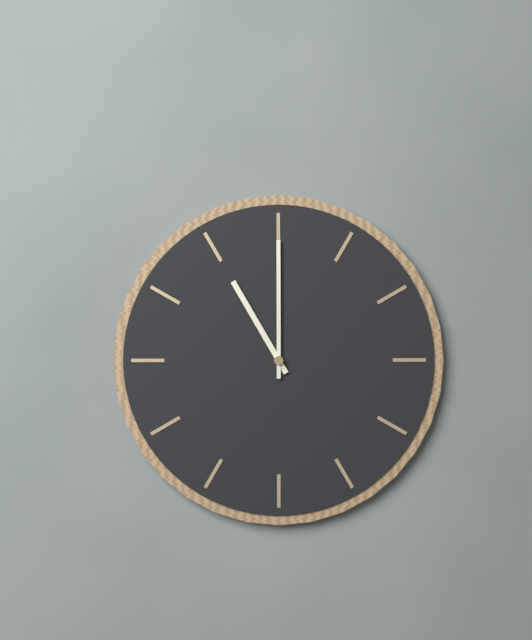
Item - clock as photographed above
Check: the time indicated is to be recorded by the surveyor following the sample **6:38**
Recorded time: **11:00**
